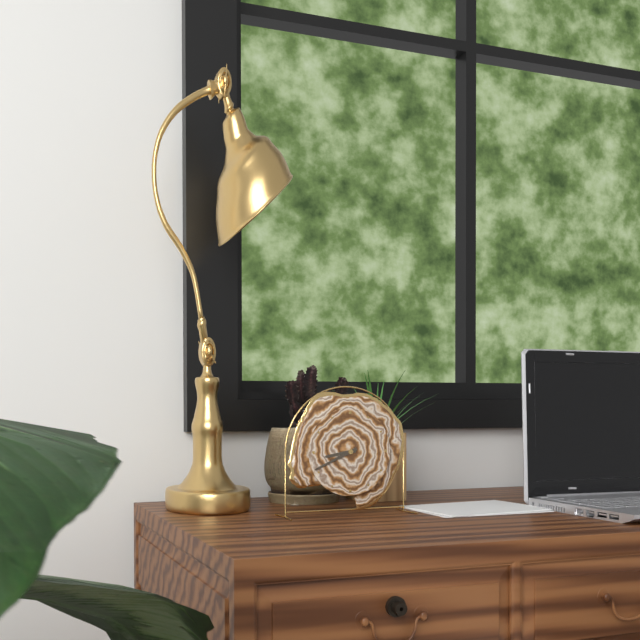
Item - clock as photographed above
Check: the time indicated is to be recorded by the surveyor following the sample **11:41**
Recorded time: **8:41**
